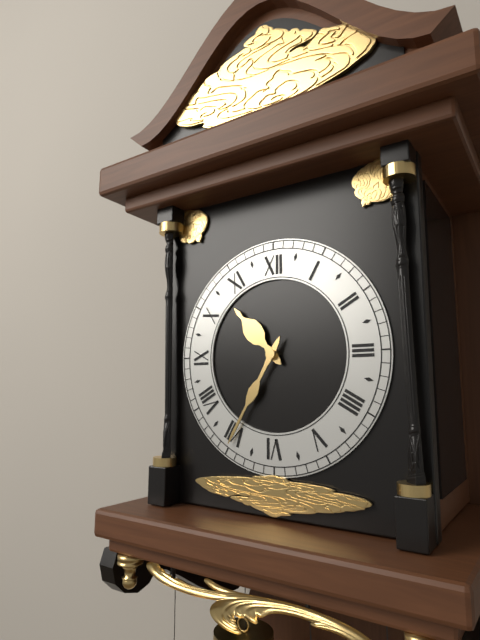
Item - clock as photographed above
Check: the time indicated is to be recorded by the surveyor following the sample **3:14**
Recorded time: **10:35**
